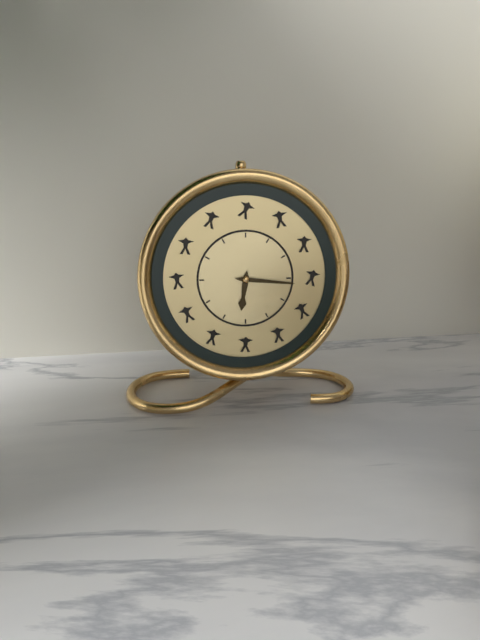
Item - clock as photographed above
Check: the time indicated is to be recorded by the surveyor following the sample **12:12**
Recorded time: **6:16**
